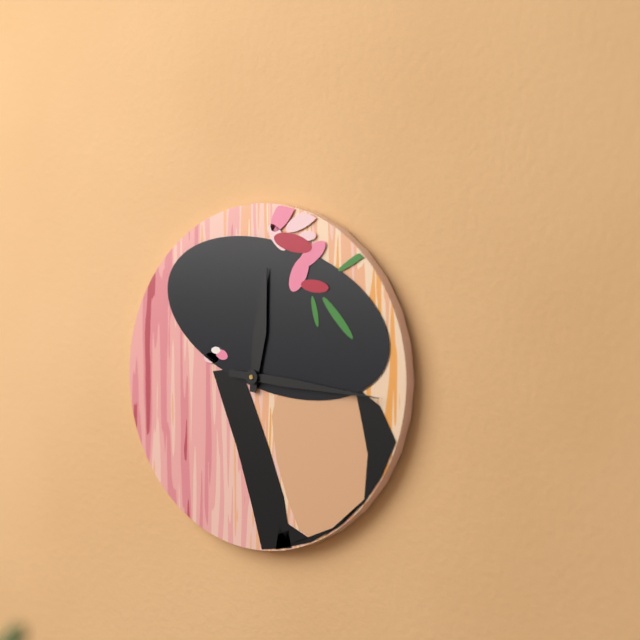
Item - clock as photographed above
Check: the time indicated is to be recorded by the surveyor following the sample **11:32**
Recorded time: **12:16**
